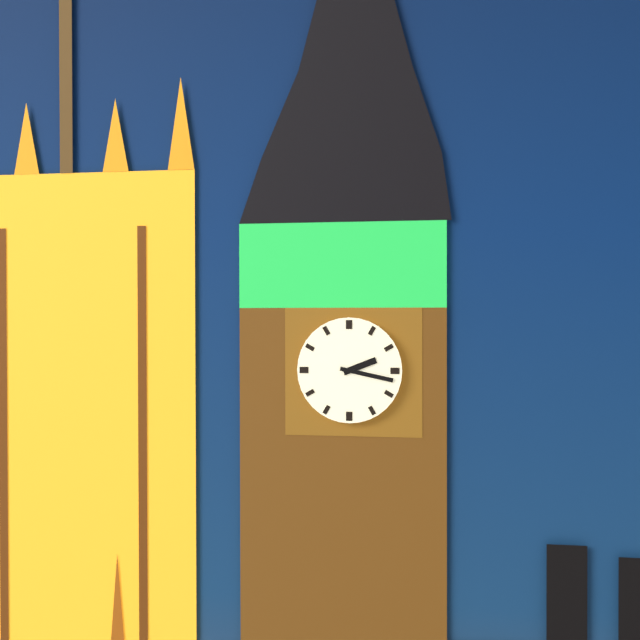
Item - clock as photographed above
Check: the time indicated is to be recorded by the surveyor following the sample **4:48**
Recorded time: **2:17**
